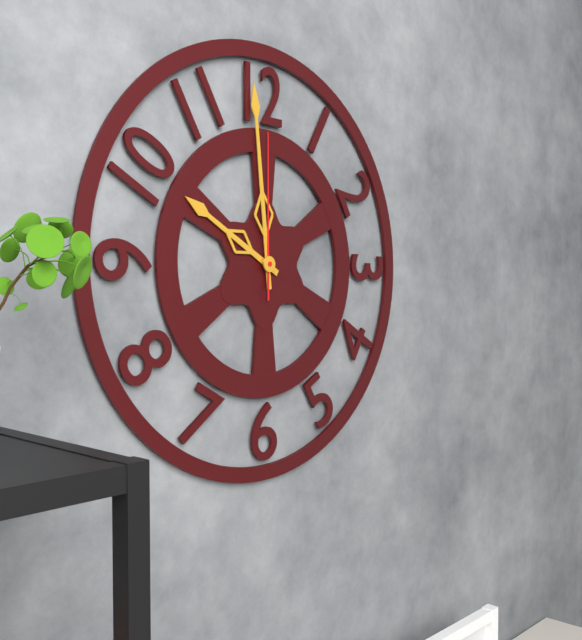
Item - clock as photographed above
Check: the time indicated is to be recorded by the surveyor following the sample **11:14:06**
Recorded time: **9:59:00**
